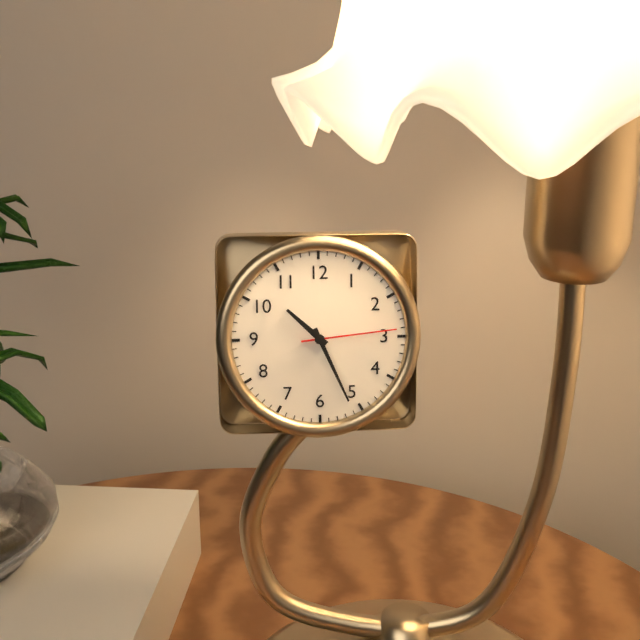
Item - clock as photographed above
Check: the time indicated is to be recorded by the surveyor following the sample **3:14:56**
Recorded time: **10:26:14**
